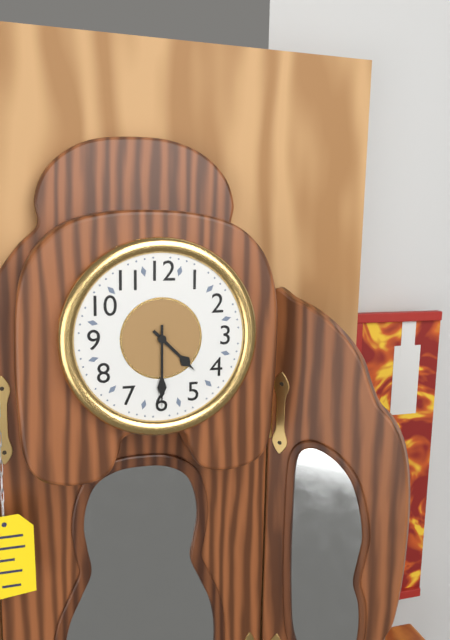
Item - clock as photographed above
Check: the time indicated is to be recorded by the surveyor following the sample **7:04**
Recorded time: **4:30**
